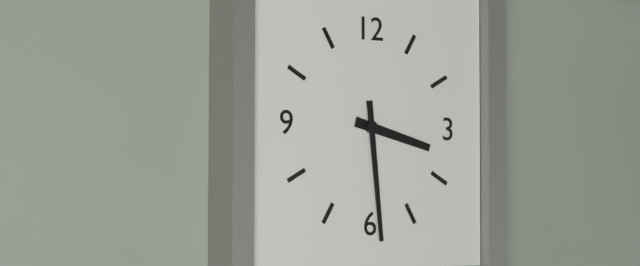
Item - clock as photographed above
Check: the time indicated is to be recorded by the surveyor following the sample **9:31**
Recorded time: **3:29**
